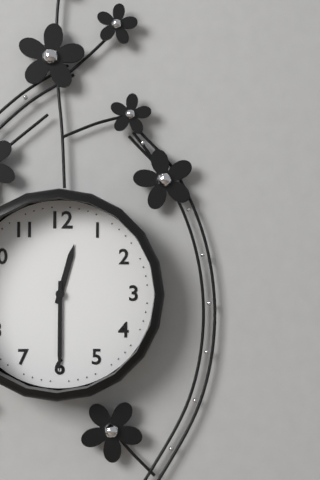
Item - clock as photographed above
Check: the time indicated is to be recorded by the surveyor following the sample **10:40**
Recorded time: **12:30**
